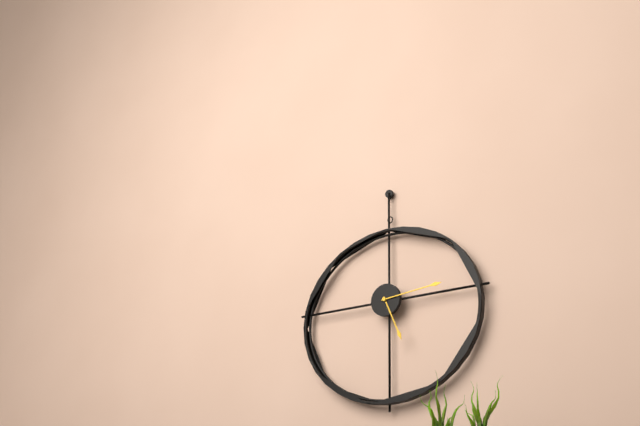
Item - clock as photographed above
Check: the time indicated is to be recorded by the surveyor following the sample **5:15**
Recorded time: **5:14**
